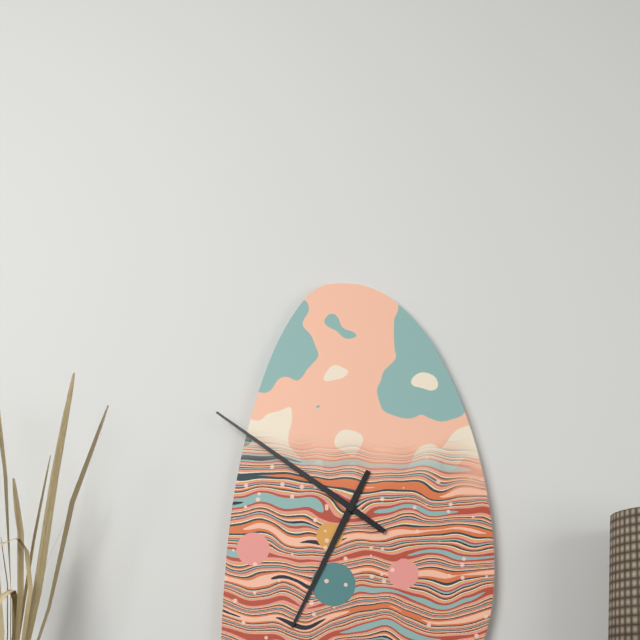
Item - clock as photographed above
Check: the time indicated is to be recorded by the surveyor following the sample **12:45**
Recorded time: **6:51**
